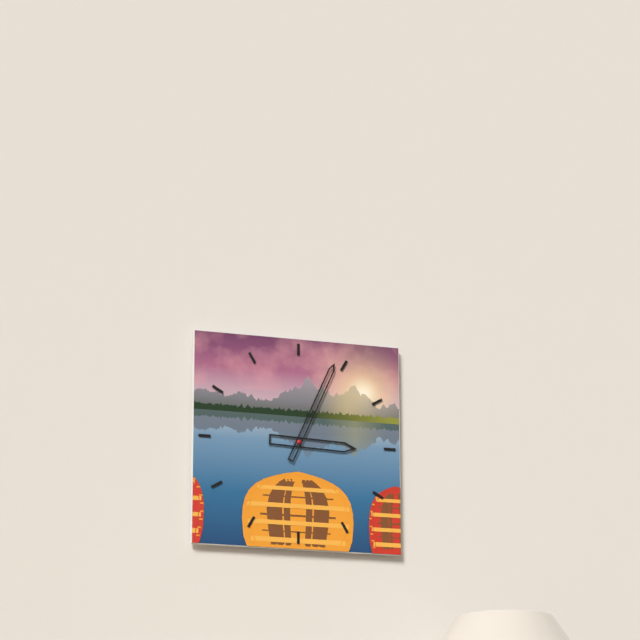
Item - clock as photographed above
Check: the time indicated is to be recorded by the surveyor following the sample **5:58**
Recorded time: **3:04**
